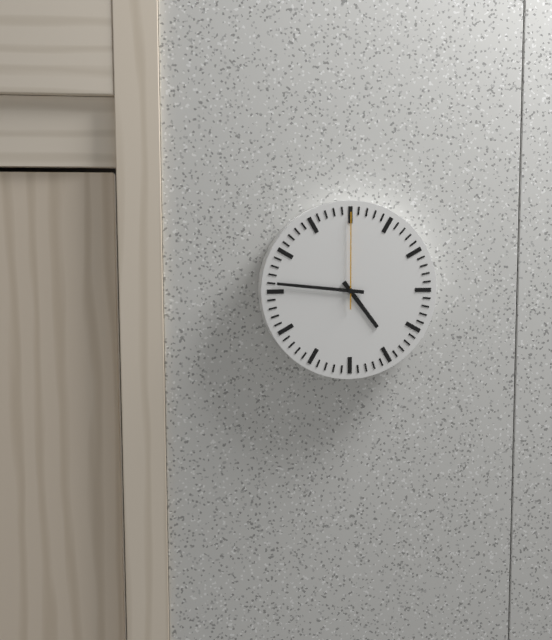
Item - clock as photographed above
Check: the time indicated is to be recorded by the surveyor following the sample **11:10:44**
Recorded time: **4:46:00**
